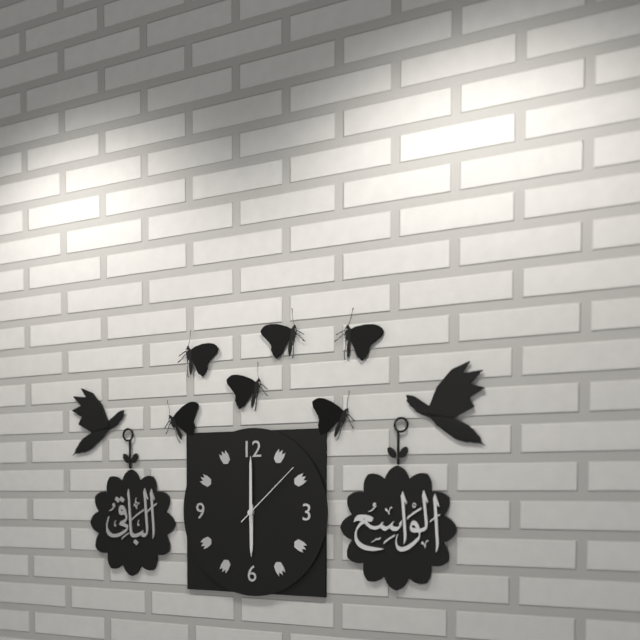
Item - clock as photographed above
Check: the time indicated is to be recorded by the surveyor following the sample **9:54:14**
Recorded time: **6:00:08**
